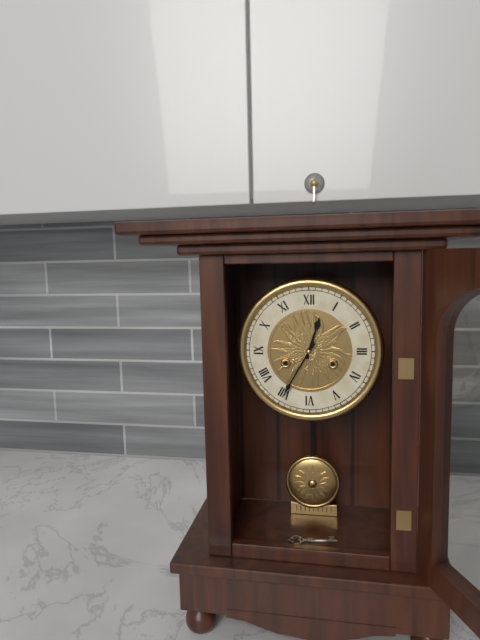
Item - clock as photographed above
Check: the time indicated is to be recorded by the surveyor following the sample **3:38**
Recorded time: **12:35**
